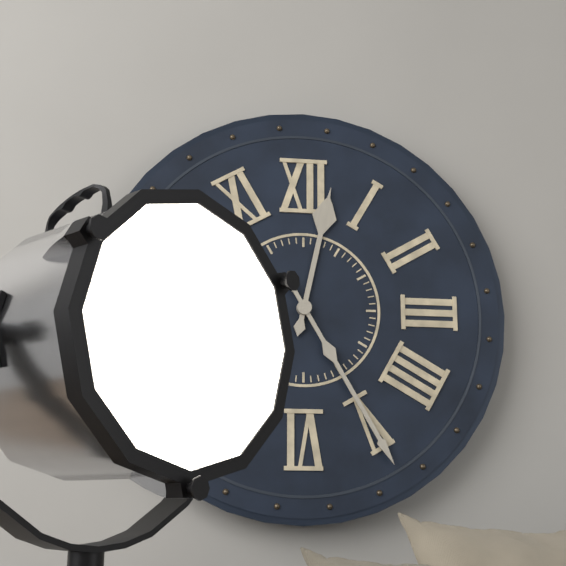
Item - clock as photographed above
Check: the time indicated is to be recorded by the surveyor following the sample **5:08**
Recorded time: **12:25**
